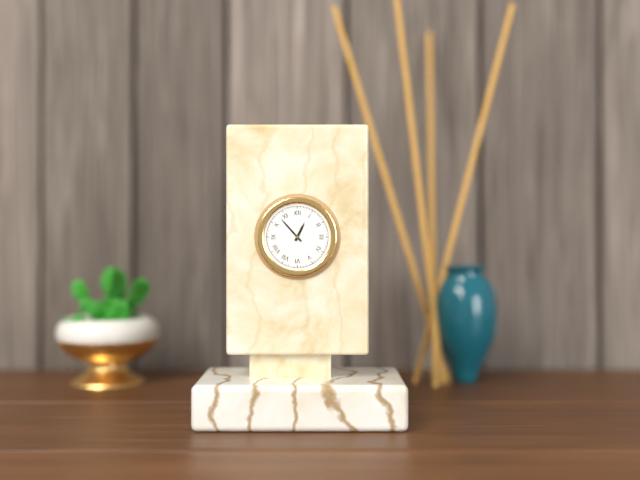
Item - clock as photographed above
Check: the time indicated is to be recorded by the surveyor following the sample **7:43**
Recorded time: **12:53**
